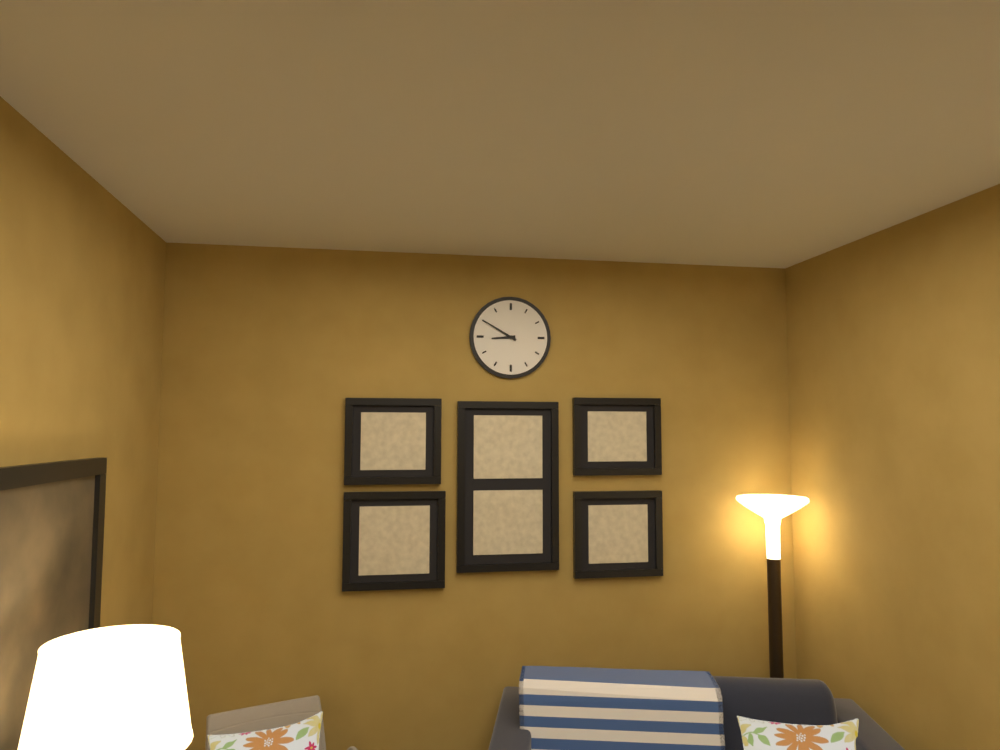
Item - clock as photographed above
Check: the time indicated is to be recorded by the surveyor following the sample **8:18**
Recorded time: **8:50**
